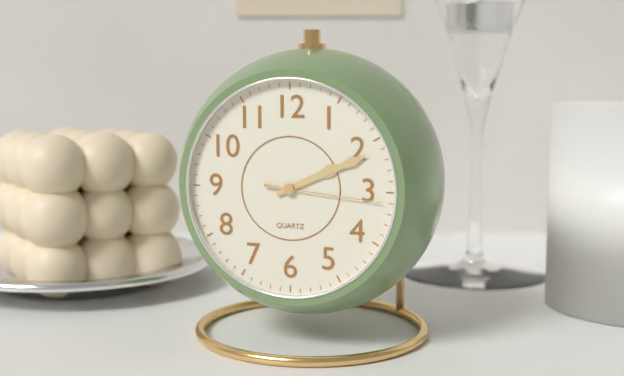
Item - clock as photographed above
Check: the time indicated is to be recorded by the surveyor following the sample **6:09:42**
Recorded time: **2:11:16**
